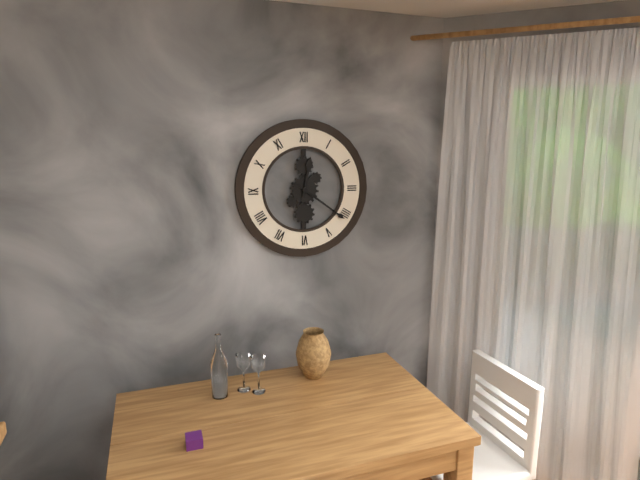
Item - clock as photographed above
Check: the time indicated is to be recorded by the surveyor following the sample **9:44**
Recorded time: **12:21**
